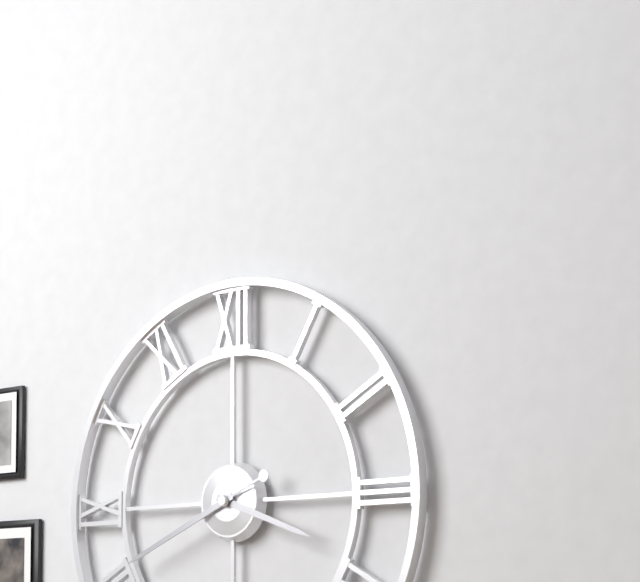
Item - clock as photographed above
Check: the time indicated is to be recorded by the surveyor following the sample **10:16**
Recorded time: **3:41**
